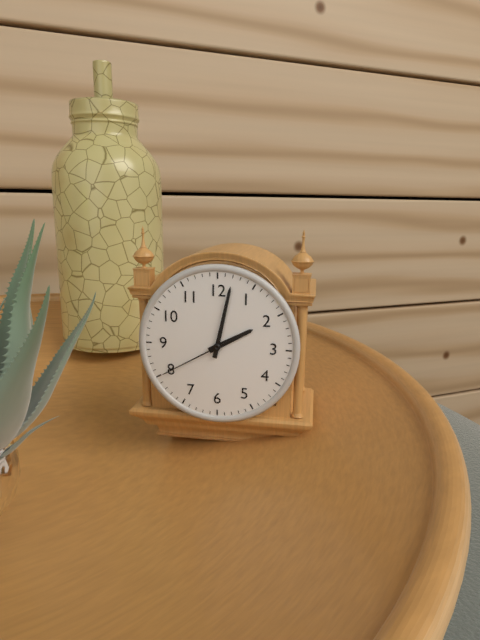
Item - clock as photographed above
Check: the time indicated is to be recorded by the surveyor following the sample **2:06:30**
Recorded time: **2:02:40**
